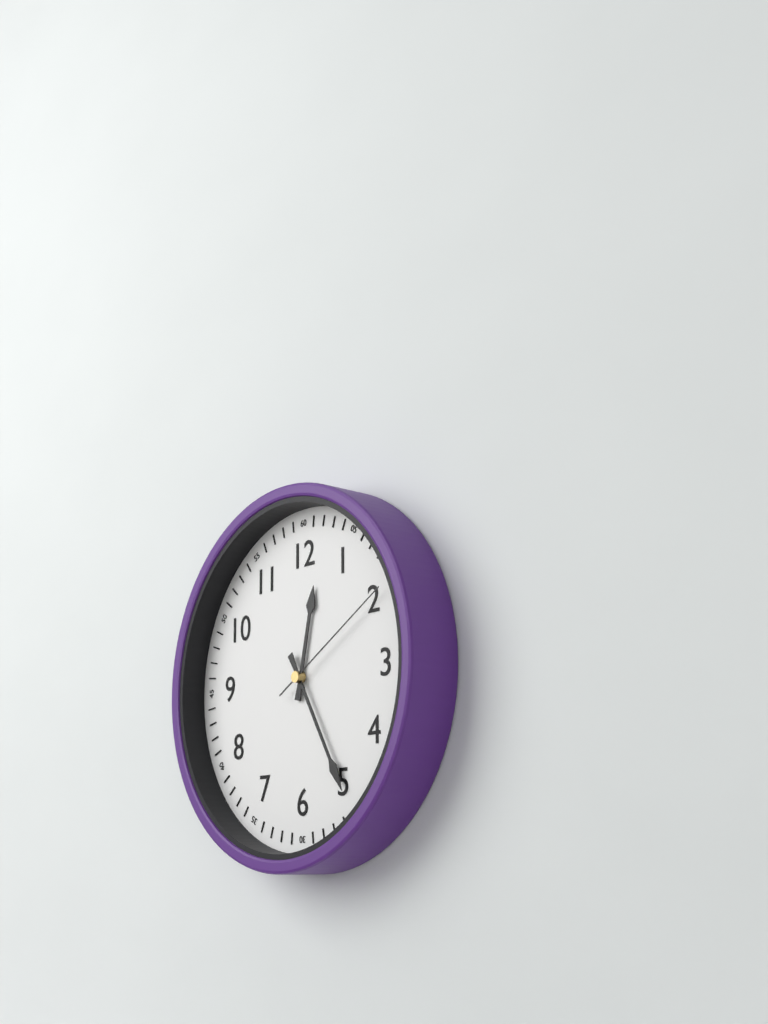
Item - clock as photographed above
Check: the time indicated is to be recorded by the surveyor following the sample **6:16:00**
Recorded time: **12:25:10**
